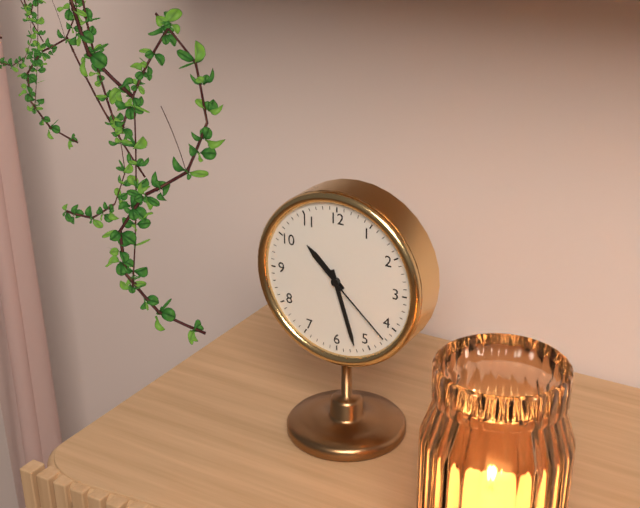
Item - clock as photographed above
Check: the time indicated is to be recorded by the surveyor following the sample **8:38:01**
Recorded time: **10:27:22**
